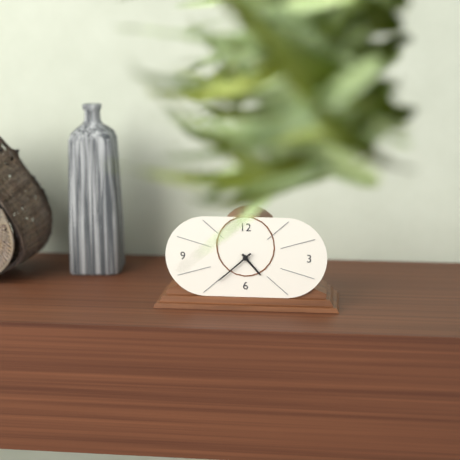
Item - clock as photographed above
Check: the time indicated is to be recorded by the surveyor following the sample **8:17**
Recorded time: **4:38**
